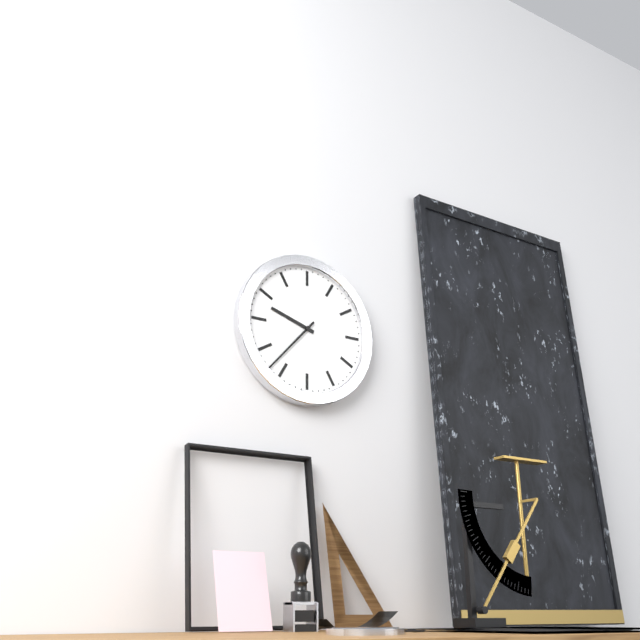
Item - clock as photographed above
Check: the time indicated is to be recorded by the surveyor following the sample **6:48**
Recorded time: **9:37**
